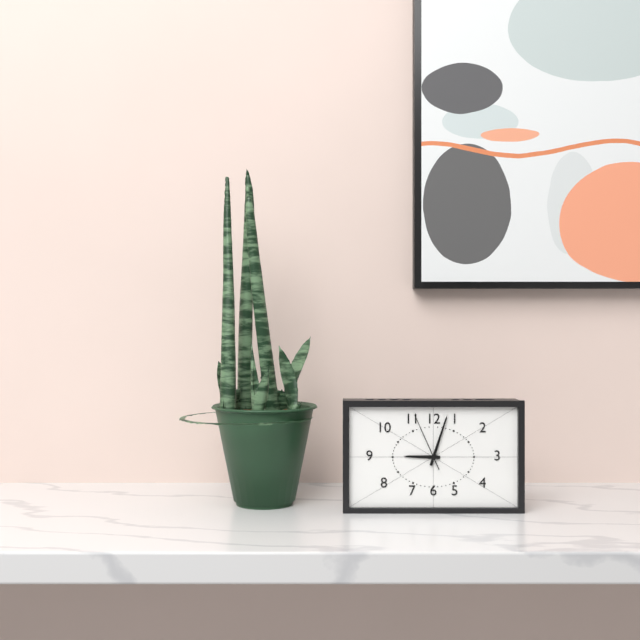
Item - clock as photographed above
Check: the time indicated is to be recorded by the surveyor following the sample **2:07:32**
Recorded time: **9:03:56**
